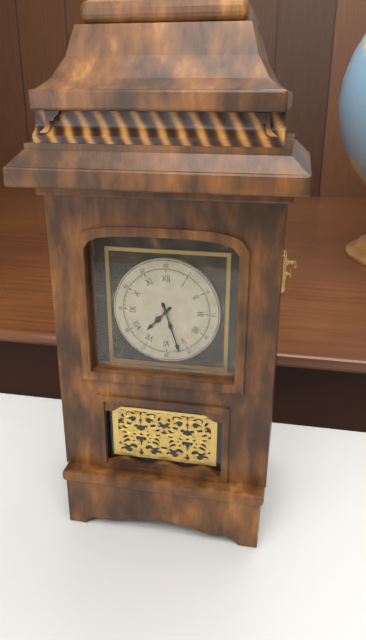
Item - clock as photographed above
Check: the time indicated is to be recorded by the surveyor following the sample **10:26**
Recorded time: **7:27**
